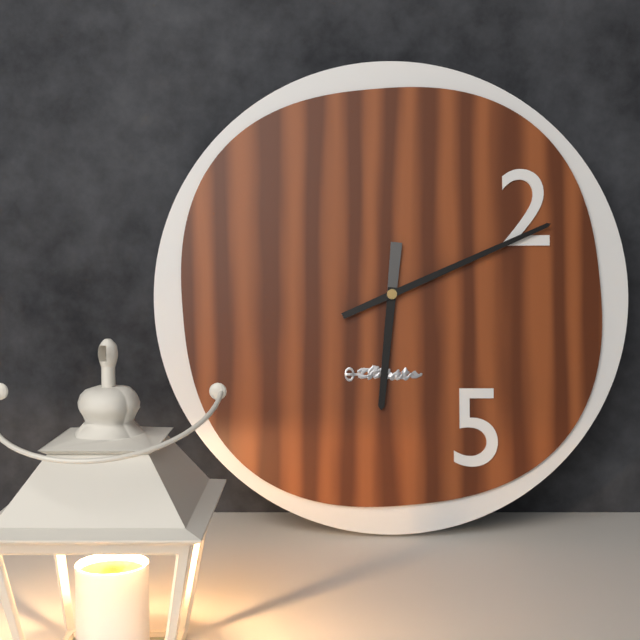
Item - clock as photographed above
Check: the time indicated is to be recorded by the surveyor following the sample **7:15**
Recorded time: **6:11**
